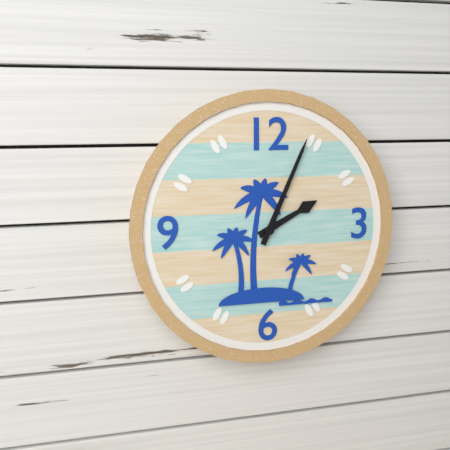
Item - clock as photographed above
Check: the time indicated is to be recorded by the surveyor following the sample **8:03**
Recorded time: **2:04**
